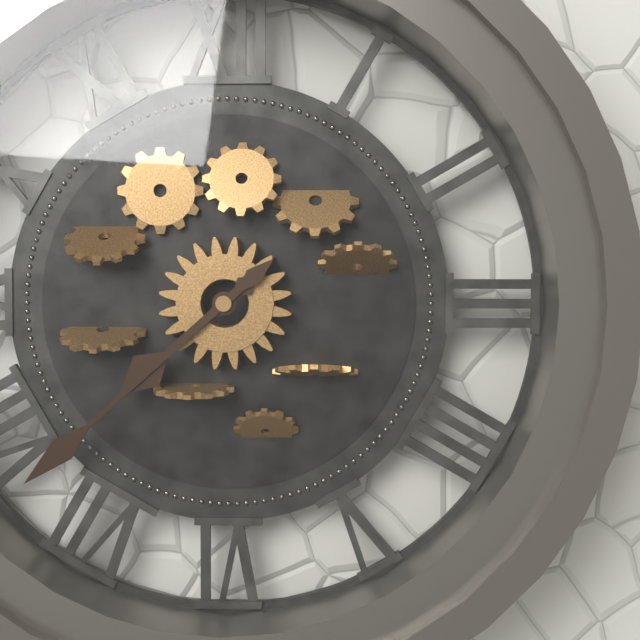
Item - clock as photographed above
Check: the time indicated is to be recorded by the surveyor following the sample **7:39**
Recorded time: **7:38**
